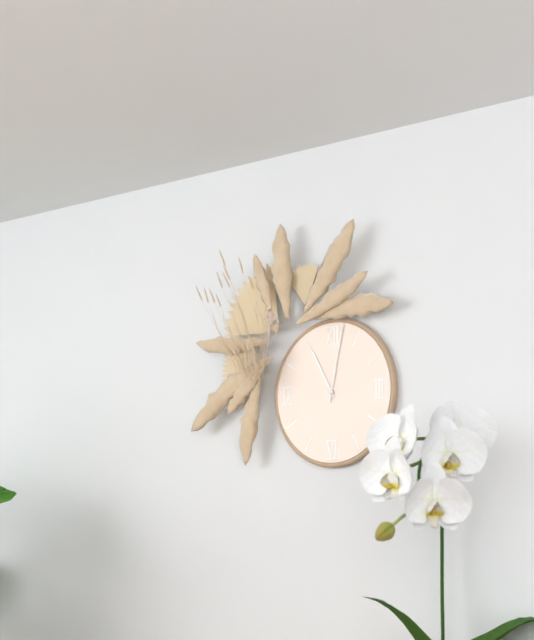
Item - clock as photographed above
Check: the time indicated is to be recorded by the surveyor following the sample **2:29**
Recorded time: **11:02**
